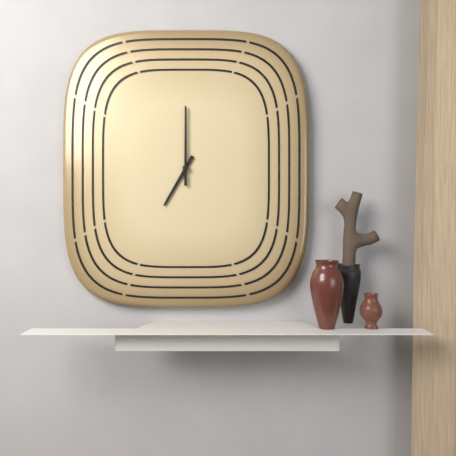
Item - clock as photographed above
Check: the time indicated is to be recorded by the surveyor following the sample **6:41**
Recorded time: **7:00**
